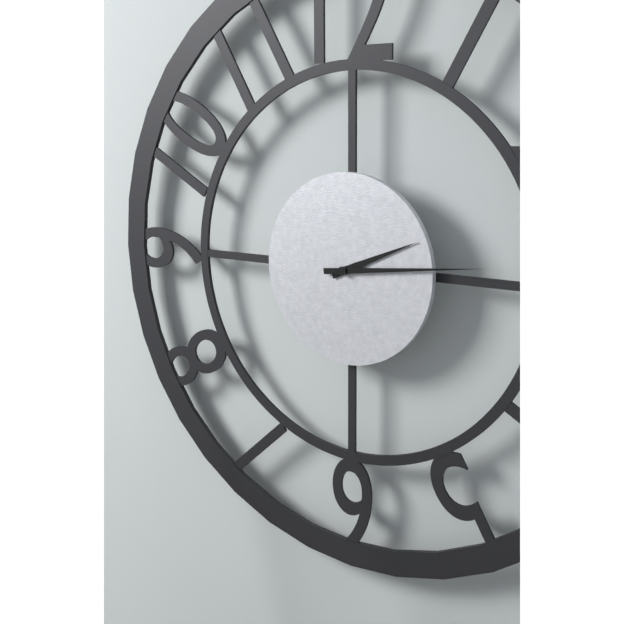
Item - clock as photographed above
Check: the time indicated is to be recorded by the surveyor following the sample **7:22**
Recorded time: **2:14**
